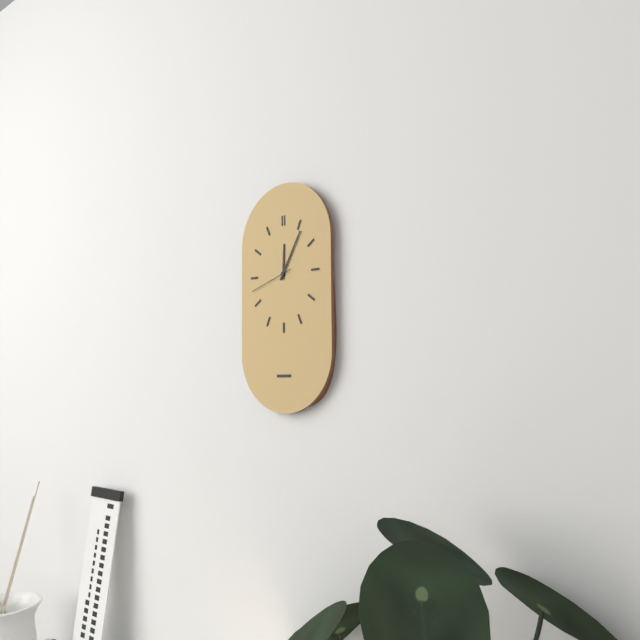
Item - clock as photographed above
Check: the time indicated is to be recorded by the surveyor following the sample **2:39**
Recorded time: **12:05**
